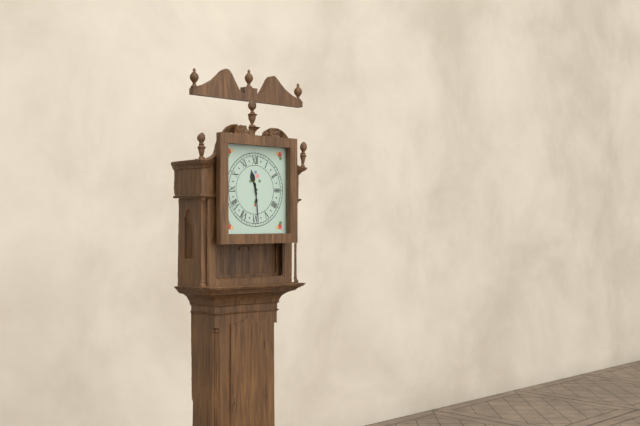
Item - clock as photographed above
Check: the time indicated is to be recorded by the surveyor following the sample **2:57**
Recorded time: **11:29**
